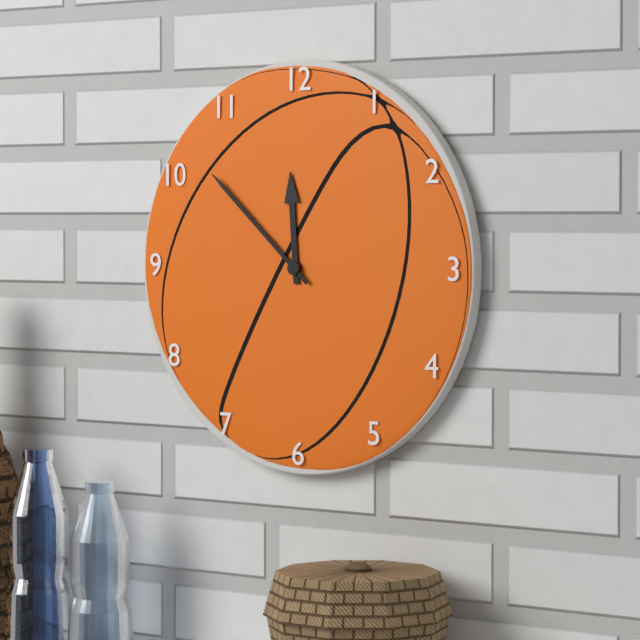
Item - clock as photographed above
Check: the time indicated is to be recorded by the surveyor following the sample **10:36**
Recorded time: **11:52**
